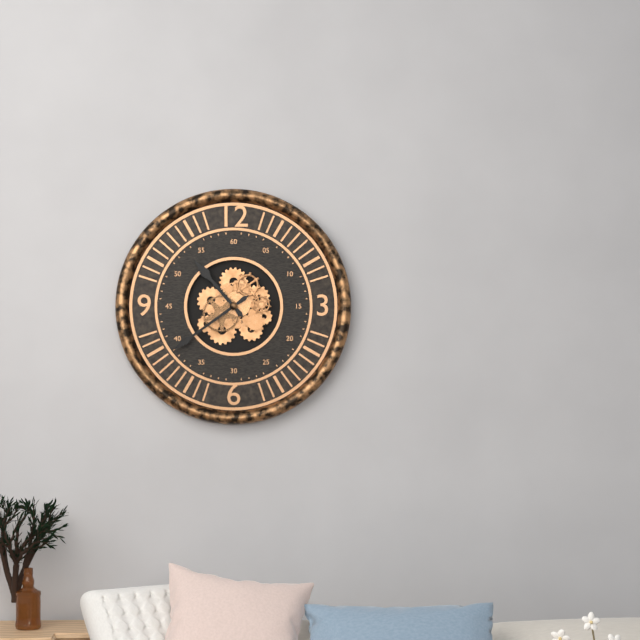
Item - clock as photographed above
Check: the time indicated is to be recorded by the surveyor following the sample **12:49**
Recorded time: **10:39**
